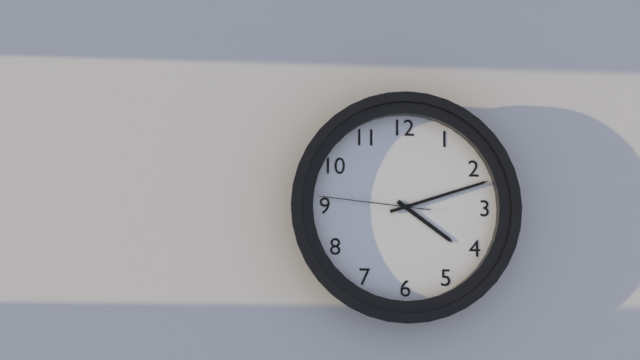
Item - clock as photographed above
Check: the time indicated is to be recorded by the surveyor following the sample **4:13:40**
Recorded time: **4:12:46**
